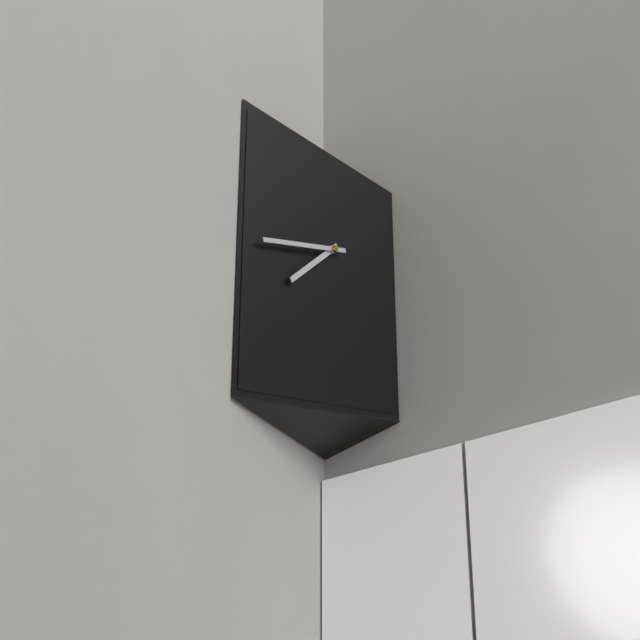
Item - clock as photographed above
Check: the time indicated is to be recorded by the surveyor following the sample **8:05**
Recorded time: **7:43**
